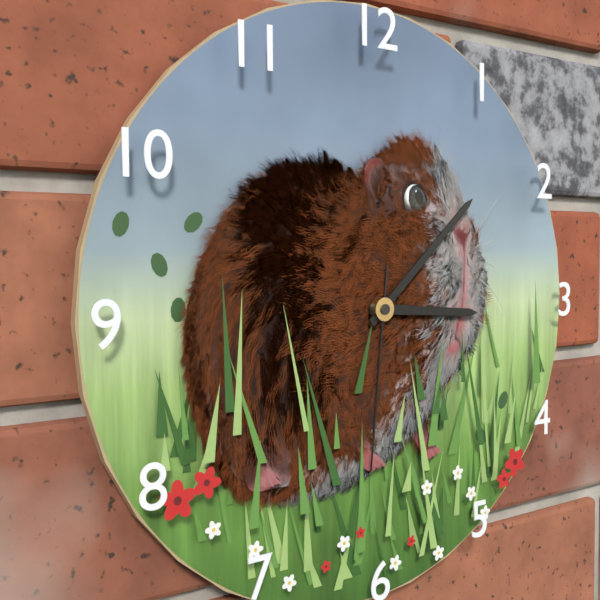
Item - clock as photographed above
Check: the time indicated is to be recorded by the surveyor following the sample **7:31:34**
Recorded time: **3:08:31**
